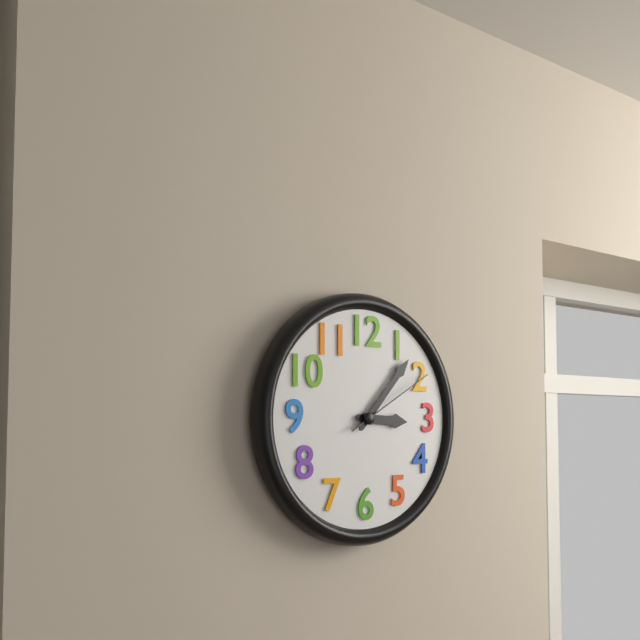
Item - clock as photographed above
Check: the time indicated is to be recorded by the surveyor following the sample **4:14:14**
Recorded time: **3:07:10**
